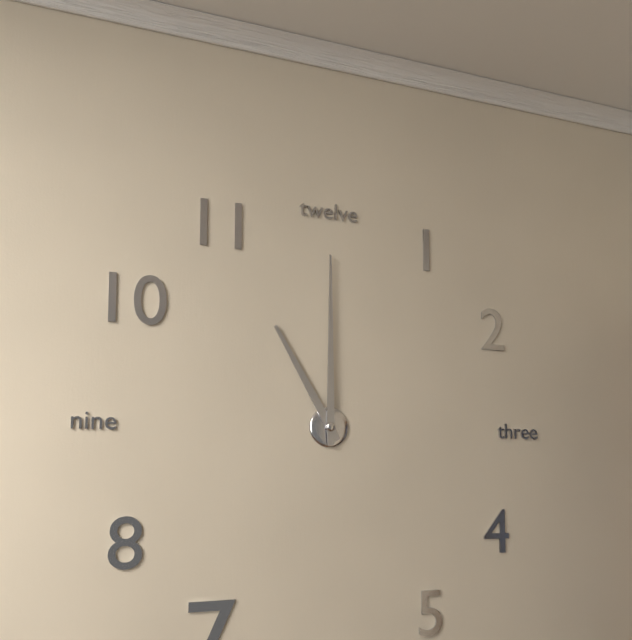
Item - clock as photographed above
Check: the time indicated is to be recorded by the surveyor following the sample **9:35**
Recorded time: **11:00**
